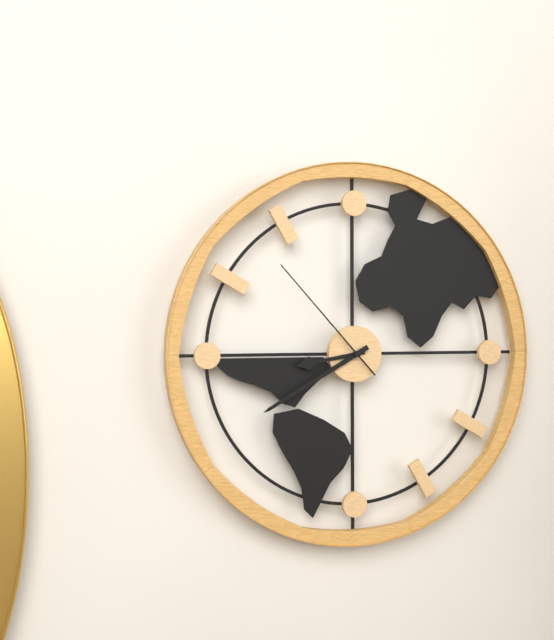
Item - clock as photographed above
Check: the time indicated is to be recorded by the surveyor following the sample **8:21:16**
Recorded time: **8:40:53**
